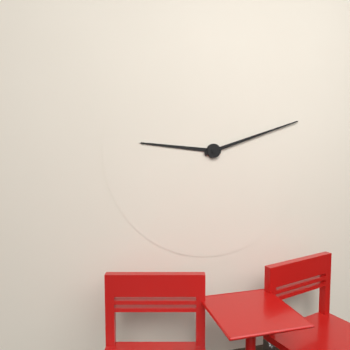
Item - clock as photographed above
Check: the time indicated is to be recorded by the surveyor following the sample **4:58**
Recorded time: **9:12**
